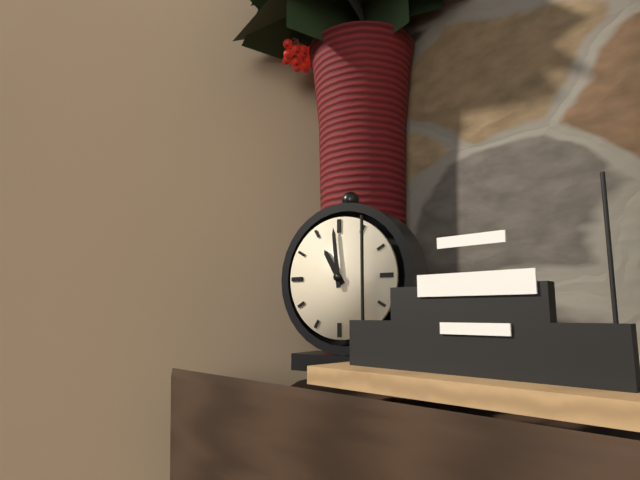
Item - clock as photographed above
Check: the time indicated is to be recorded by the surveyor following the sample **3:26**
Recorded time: **10:59**
